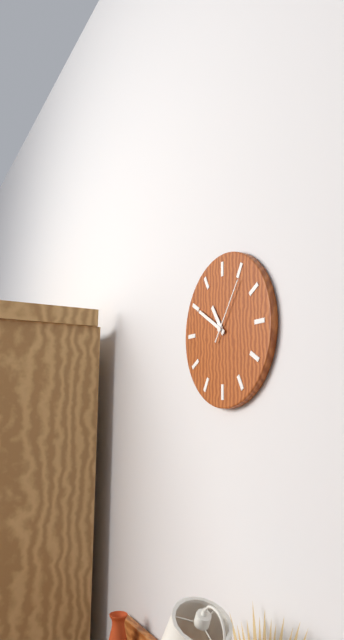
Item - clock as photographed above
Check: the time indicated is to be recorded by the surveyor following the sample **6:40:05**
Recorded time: **10:50:06**
